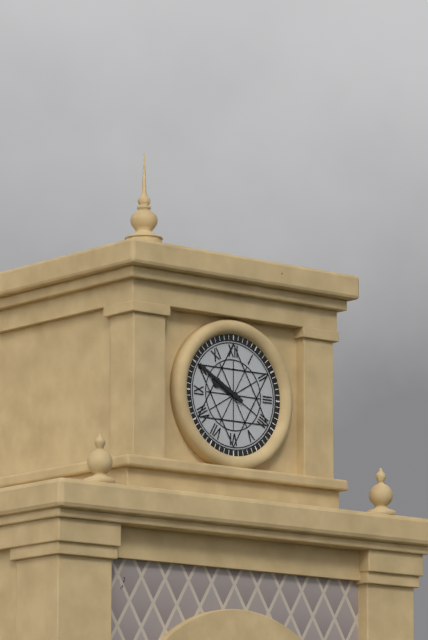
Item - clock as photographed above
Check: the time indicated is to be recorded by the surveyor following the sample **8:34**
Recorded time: **9:50**
